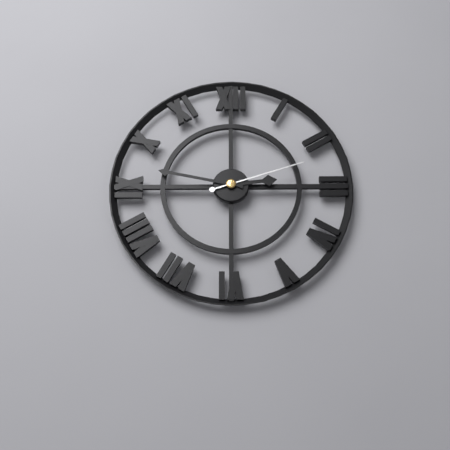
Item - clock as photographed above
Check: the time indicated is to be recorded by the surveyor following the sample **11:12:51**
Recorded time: **2:47:12**
